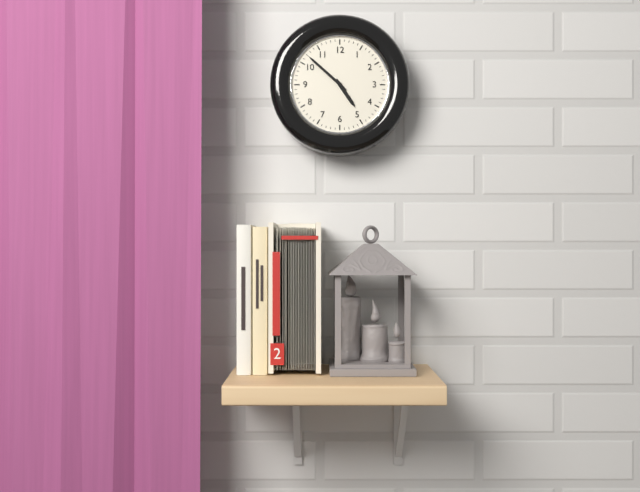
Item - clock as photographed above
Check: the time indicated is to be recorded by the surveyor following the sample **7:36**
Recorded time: **4:52**
